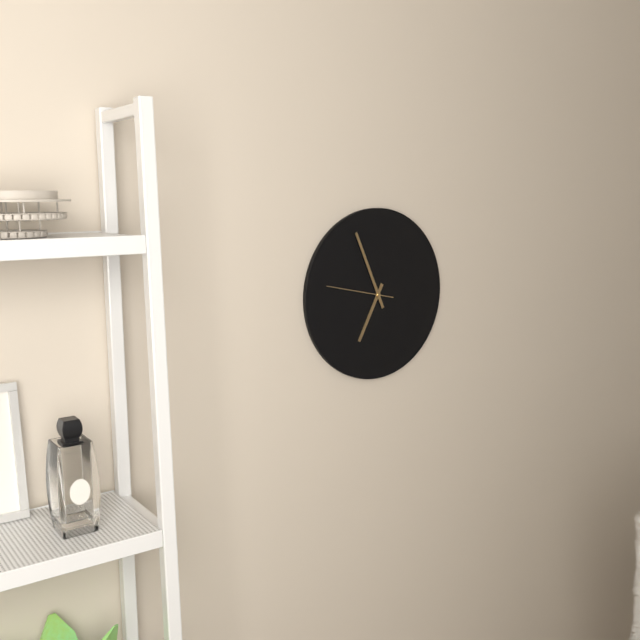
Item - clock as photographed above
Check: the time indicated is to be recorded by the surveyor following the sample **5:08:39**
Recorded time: **6:56:47**
